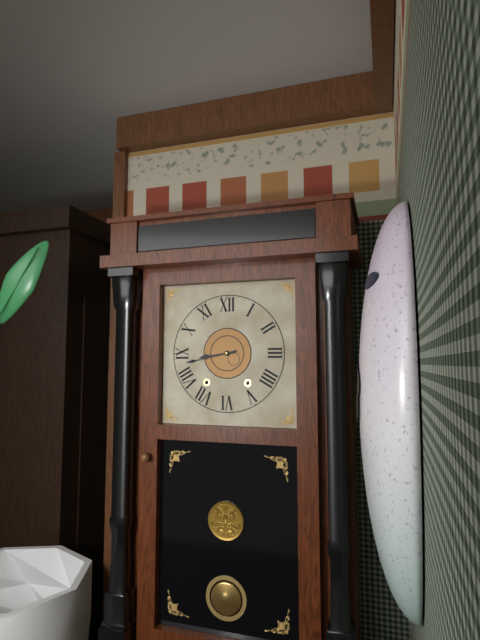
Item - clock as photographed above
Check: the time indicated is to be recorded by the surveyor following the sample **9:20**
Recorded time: **8:43**
